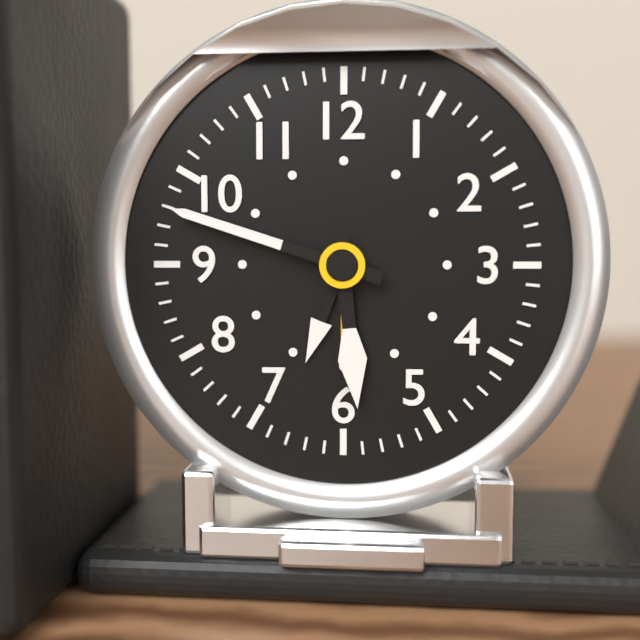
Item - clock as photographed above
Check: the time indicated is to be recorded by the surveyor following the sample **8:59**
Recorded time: **5:48**
